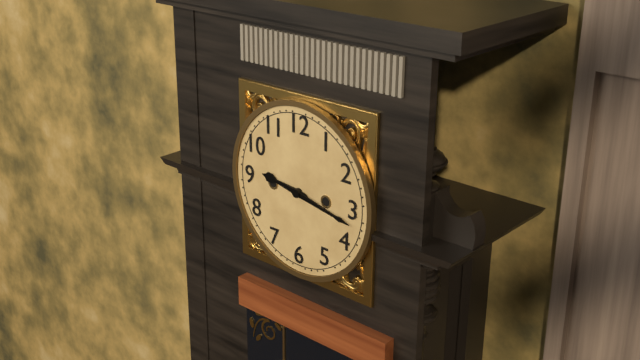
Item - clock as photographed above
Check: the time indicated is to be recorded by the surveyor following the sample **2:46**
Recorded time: **9:17**
